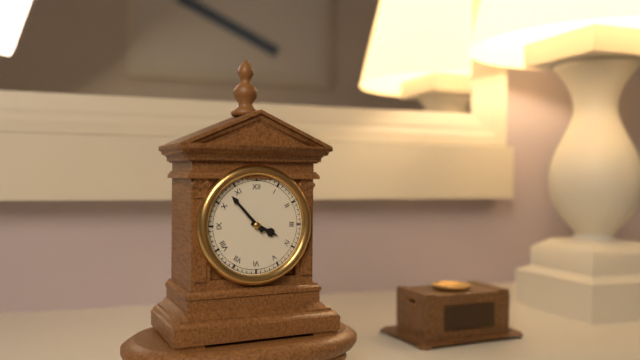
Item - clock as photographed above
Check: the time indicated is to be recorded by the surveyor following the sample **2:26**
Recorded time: **3:53**
